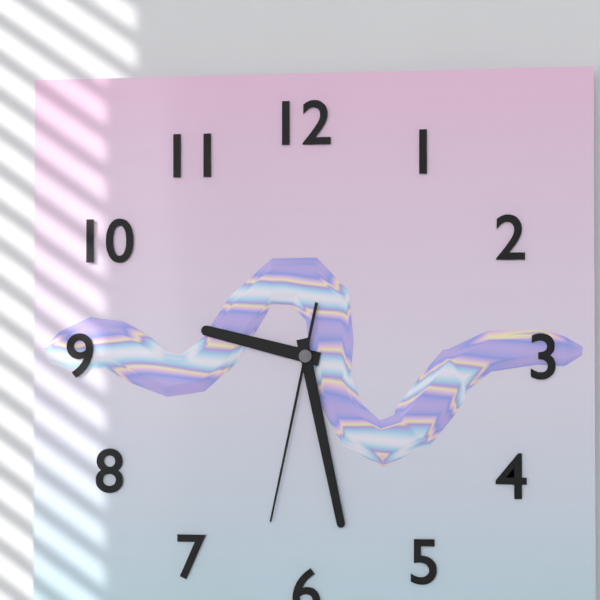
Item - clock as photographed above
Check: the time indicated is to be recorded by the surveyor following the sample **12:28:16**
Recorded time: **9:28:32**
